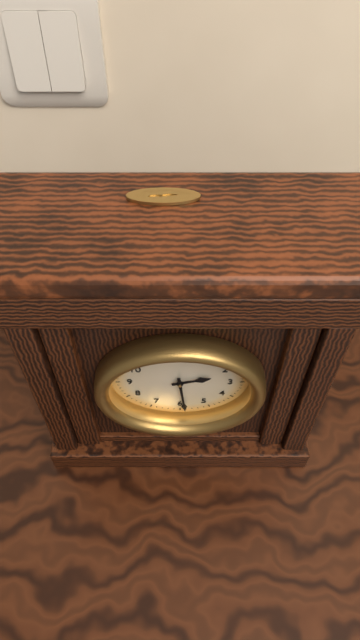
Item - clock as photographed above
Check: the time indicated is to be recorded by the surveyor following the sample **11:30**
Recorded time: **2:29**
